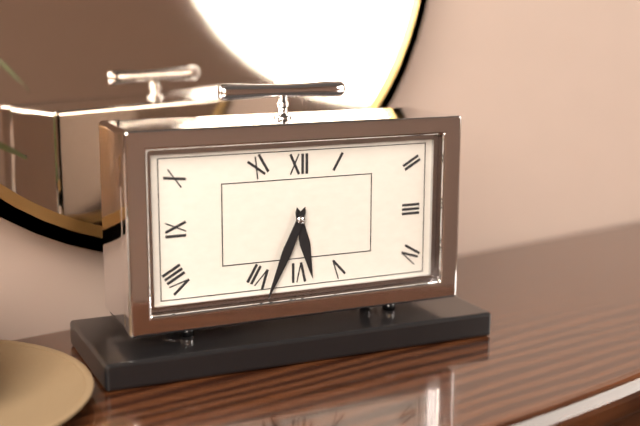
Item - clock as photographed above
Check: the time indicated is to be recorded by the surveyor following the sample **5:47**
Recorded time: **5:34**
